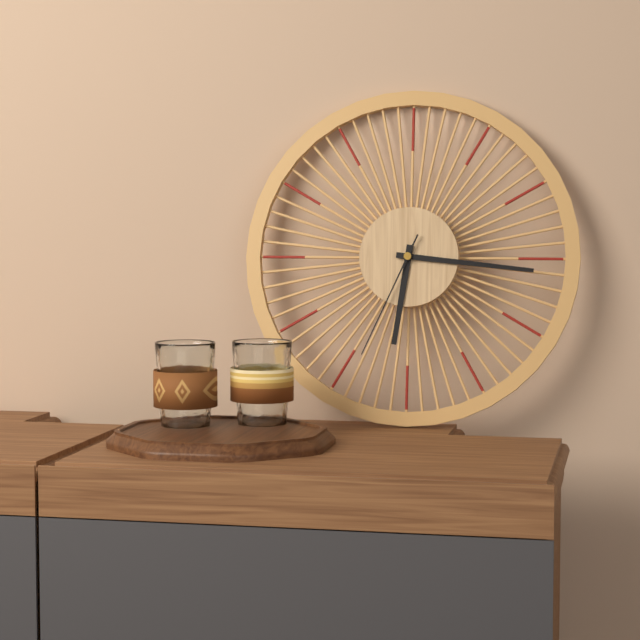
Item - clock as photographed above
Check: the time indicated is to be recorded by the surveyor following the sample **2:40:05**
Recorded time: **6:16:34**
